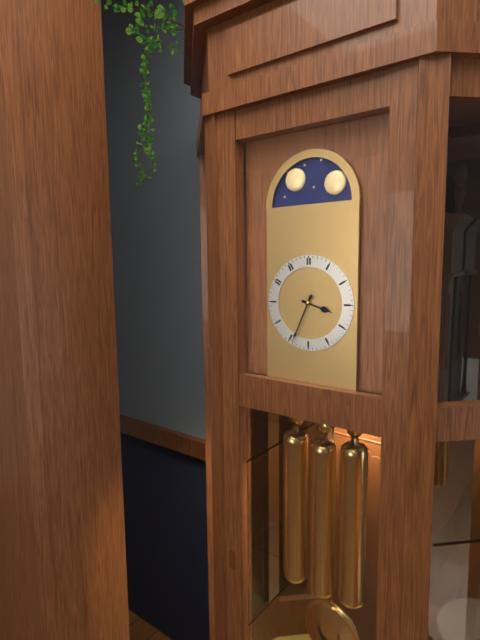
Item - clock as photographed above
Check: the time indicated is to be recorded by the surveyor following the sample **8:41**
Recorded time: **3:34**
